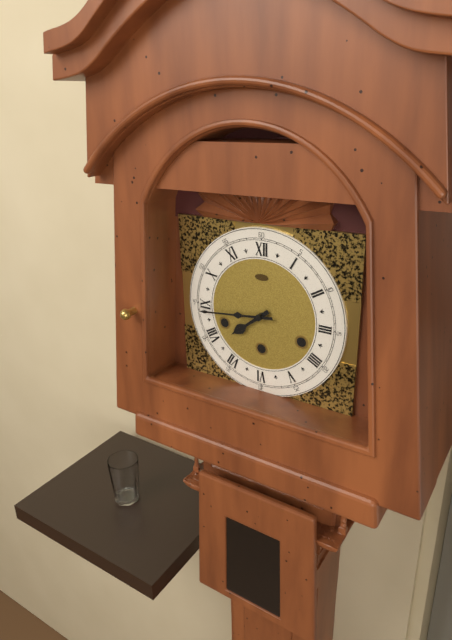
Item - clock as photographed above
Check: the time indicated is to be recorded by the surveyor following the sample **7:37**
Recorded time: **7:44**
